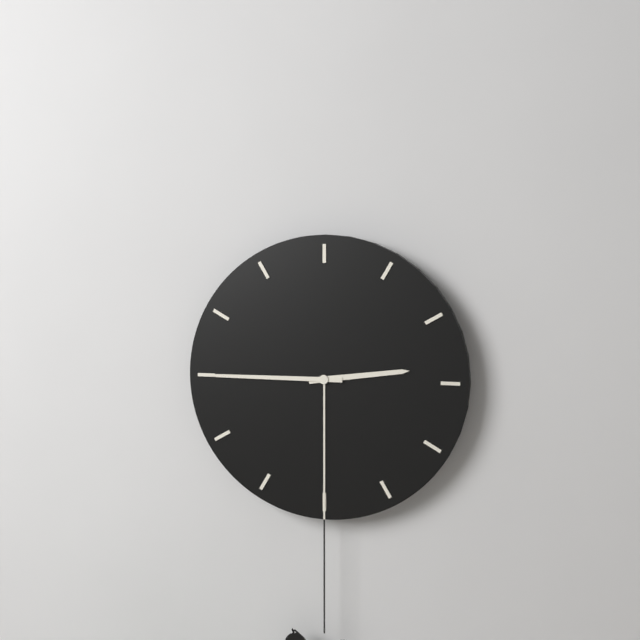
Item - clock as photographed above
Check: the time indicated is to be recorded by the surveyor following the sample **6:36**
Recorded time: **2:45**
